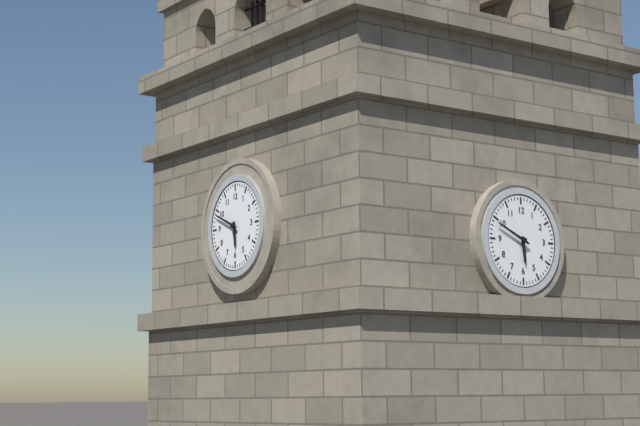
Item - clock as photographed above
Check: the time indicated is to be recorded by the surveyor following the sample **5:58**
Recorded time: **5:49**
